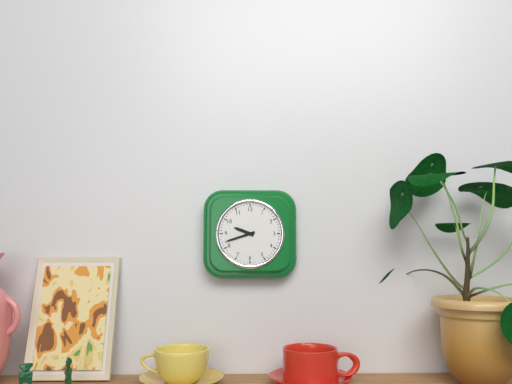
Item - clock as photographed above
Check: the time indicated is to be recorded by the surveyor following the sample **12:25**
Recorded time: **9:42**
